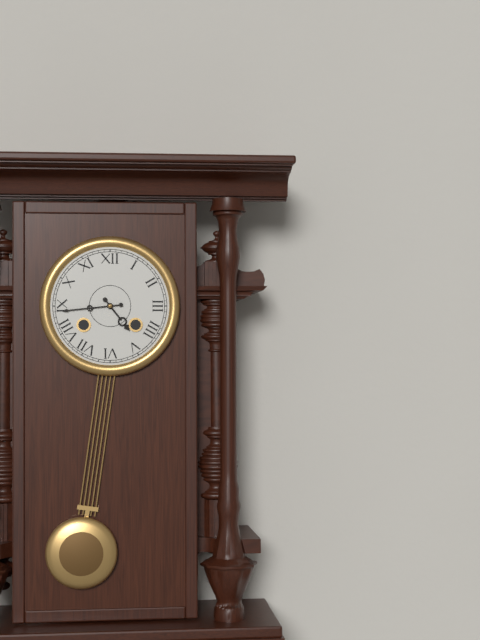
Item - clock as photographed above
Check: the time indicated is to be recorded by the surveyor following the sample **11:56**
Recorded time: **4:44**
